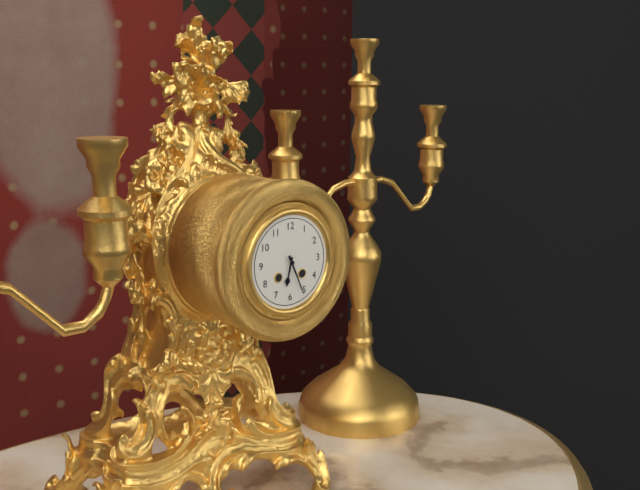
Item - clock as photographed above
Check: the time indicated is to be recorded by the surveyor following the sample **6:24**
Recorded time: **6:26**
